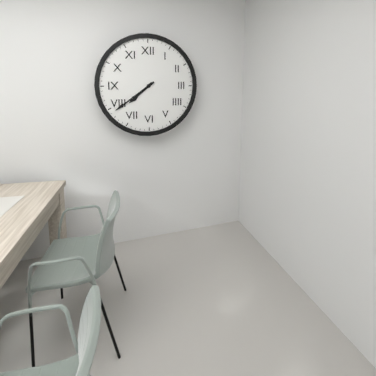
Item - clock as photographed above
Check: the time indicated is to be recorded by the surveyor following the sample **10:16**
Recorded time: **7:39**
